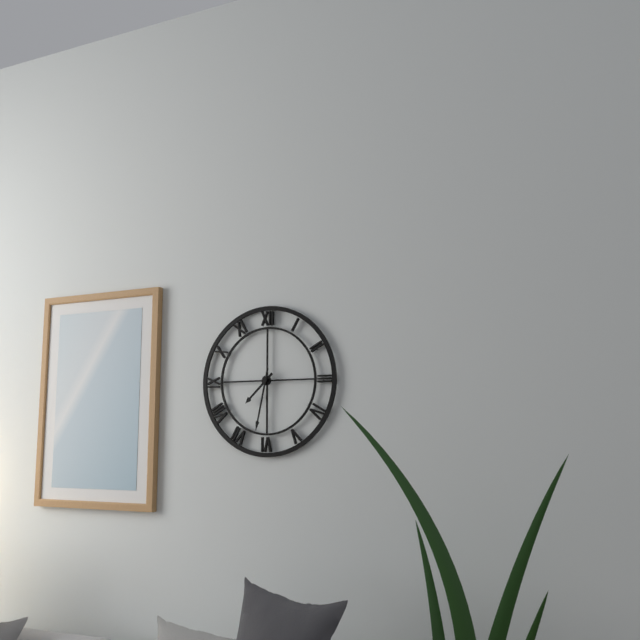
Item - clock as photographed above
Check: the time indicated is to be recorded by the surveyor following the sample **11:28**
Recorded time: **7:32**
